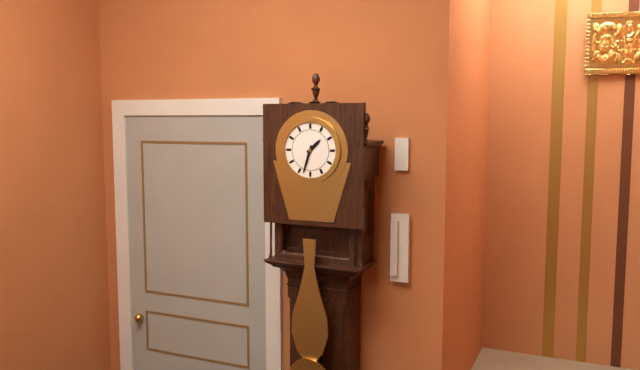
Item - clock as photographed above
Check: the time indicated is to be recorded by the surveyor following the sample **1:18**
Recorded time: **1:33**
